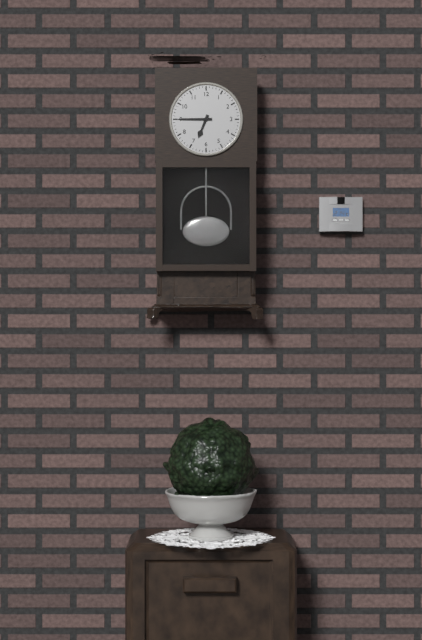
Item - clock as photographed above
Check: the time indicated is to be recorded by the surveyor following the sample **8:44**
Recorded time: **6:45**
